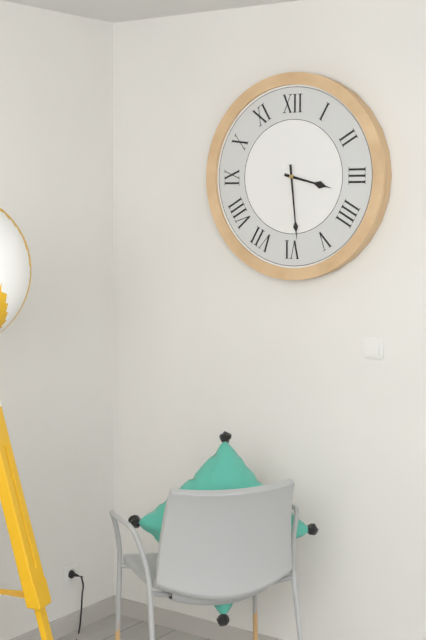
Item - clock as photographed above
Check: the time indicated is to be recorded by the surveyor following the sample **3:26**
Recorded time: **3:29**
